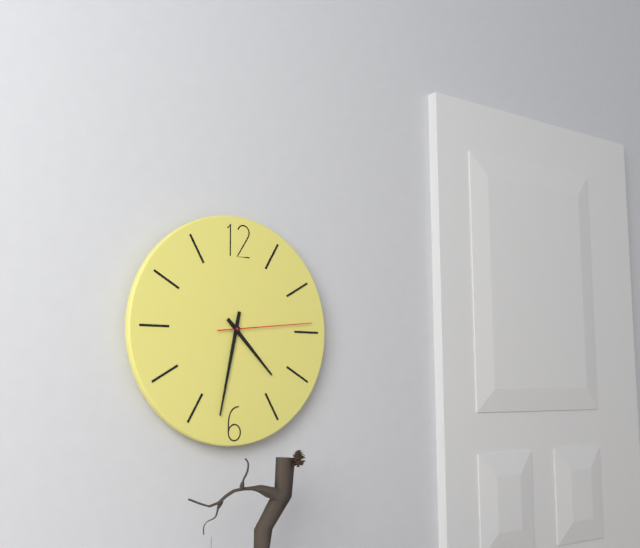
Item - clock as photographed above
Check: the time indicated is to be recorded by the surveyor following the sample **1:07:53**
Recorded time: **4:32:14**
